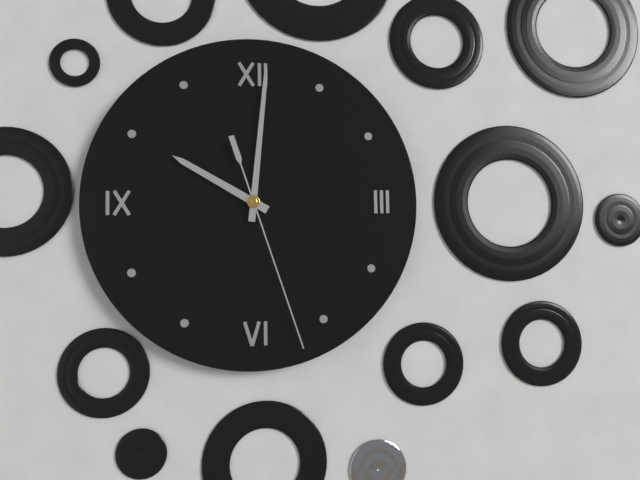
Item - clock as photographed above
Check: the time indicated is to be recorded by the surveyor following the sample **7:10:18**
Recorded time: **10:01:27**
